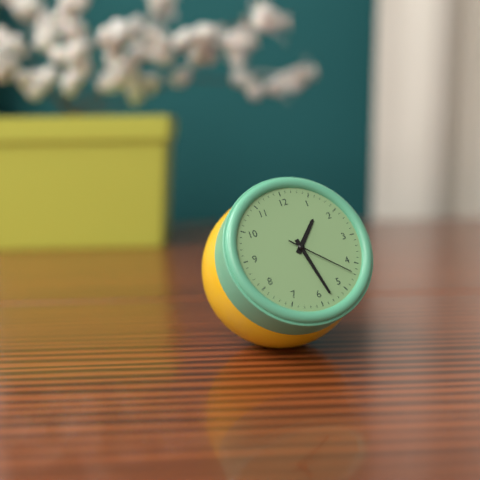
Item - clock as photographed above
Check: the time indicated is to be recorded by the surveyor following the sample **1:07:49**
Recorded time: **1:28:22**
